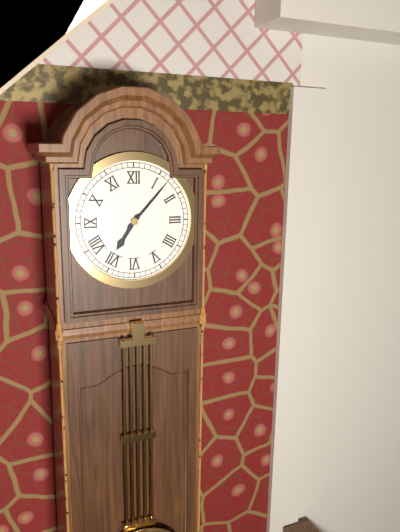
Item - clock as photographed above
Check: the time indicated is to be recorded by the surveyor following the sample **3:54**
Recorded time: **7:07**
